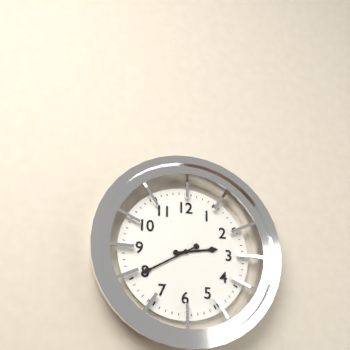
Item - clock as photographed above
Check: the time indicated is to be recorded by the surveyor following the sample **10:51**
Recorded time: **2:40**
